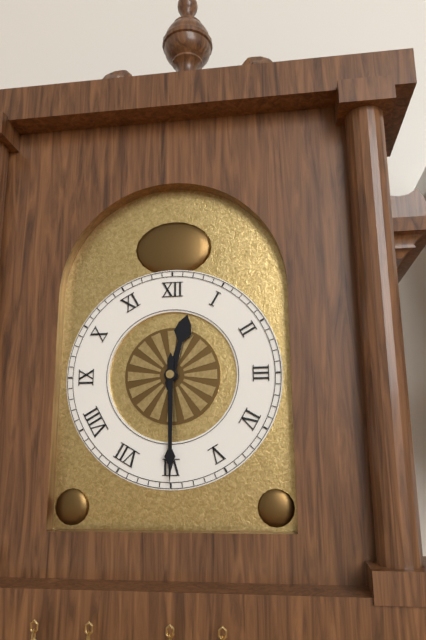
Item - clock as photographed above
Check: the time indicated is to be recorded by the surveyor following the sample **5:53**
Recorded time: **12:30**
